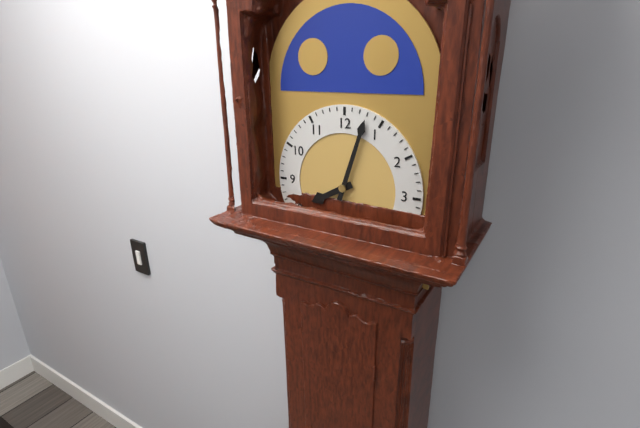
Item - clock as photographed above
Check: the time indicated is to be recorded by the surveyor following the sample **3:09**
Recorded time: **8:03**
